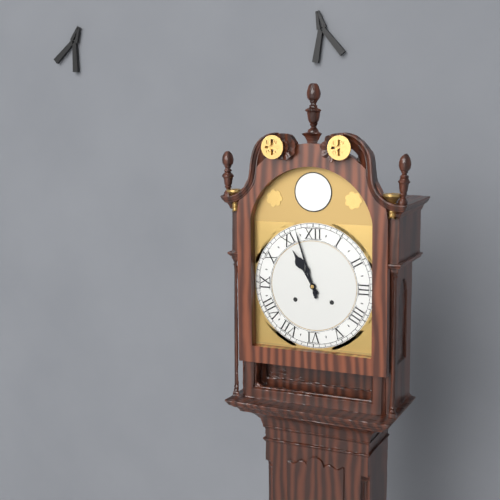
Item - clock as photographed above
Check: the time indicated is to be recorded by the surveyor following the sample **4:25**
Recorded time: **10:57**
